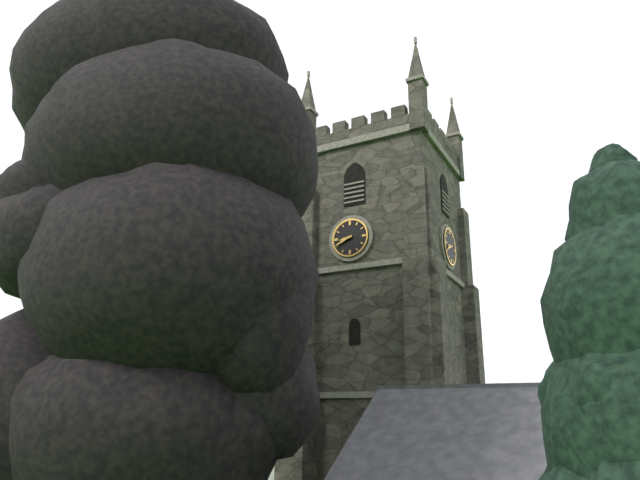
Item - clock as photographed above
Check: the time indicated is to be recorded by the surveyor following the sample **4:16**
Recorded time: **8:41**
